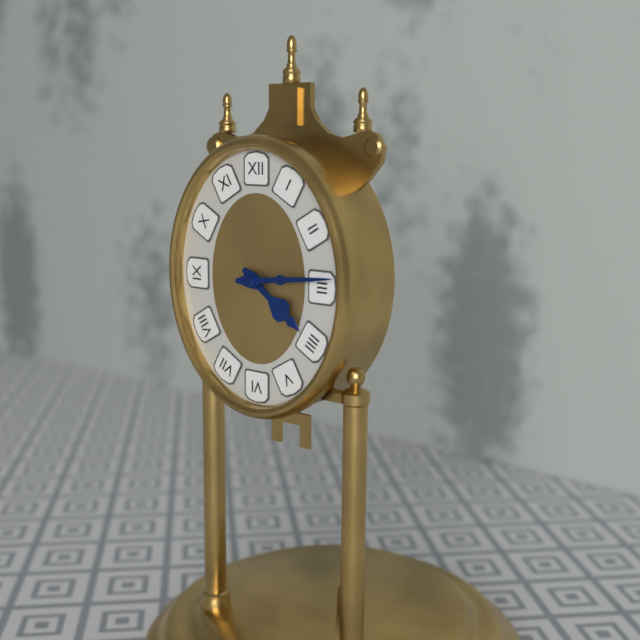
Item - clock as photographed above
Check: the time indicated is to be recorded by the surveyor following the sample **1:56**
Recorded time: **4:14**
